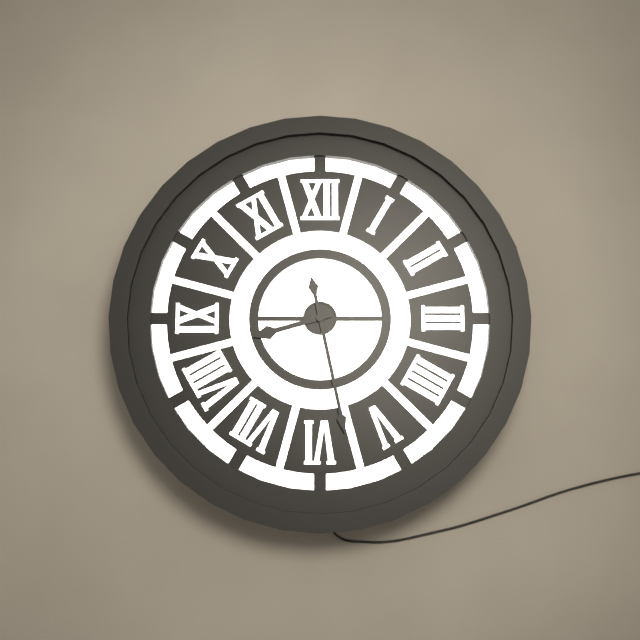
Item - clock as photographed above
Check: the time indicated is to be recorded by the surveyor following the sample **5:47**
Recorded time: **8:28**
